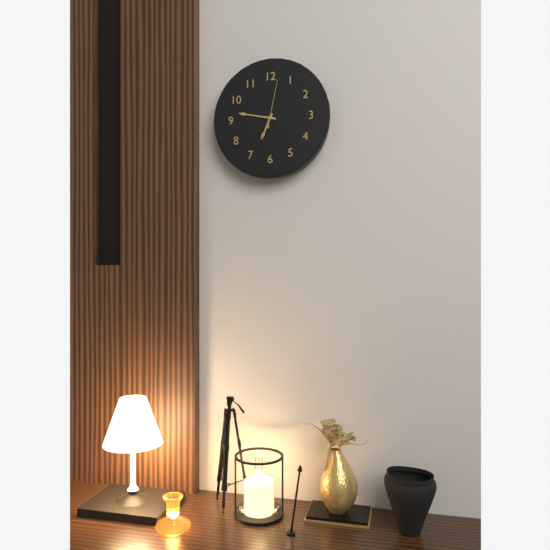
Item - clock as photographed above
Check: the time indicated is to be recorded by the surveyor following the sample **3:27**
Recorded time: **6:47**
